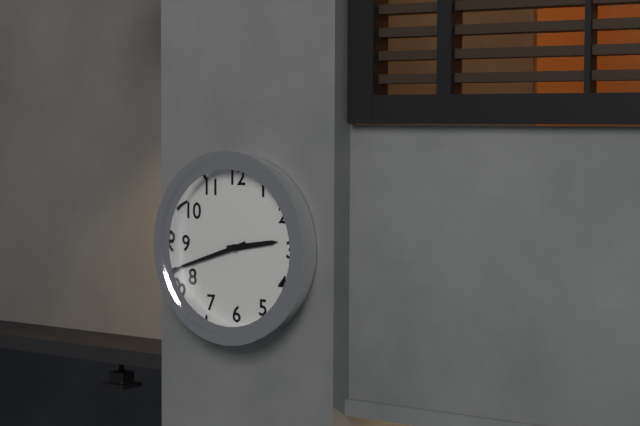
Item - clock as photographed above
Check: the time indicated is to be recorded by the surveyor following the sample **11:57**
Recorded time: **2:42**
